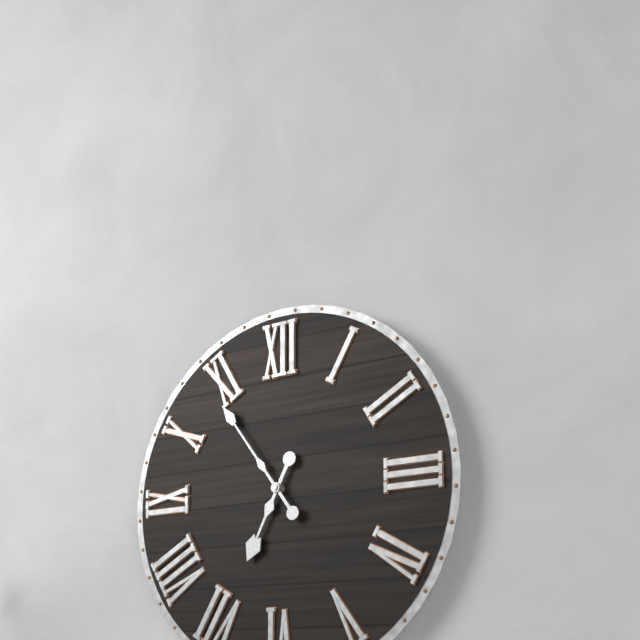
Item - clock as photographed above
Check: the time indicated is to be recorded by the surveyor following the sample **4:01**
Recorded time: **6:54**
